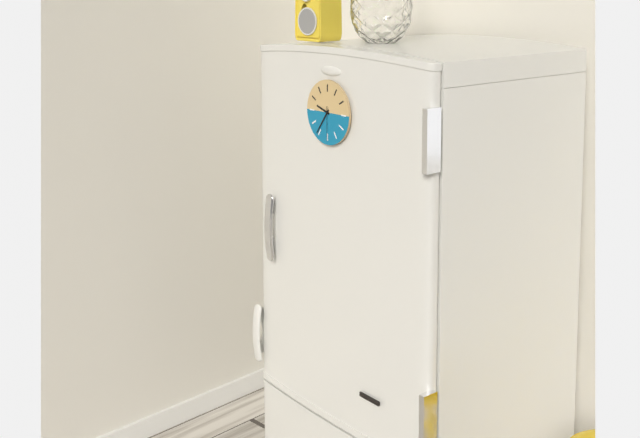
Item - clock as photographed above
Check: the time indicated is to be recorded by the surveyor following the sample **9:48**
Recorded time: **9:36**
